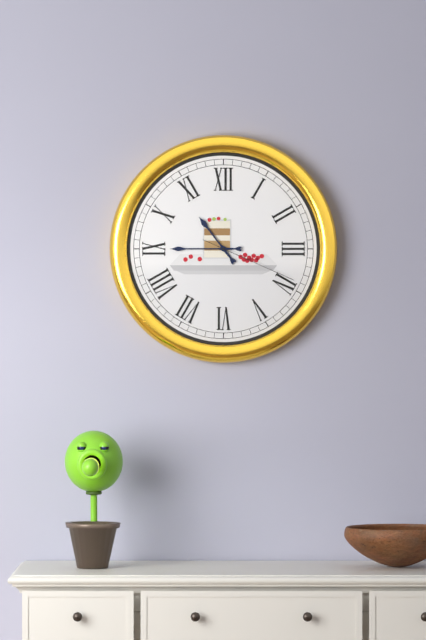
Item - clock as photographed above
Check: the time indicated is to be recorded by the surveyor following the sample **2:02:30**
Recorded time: **10:45:19**
